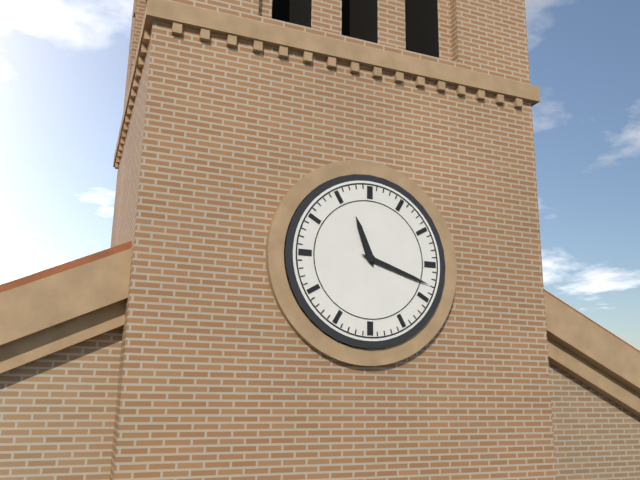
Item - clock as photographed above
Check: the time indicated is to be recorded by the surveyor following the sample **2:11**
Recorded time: **11:18**
